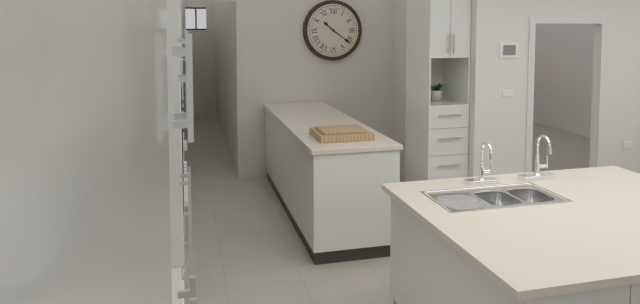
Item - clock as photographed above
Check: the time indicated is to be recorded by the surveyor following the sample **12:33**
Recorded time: **10:21**
